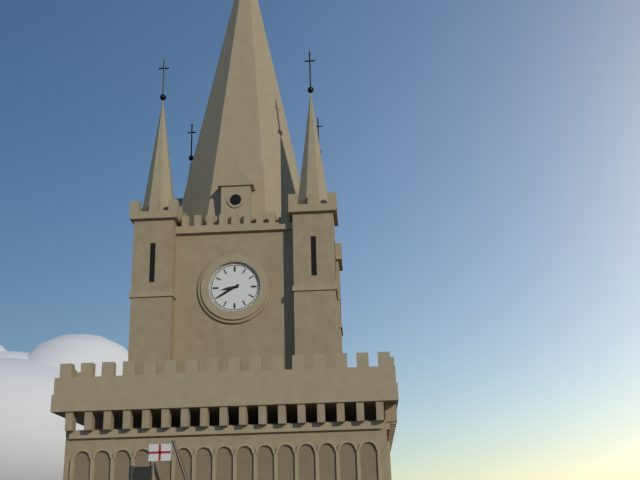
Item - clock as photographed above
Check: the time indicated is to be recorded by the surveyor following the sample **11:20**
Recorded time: **8:40**
